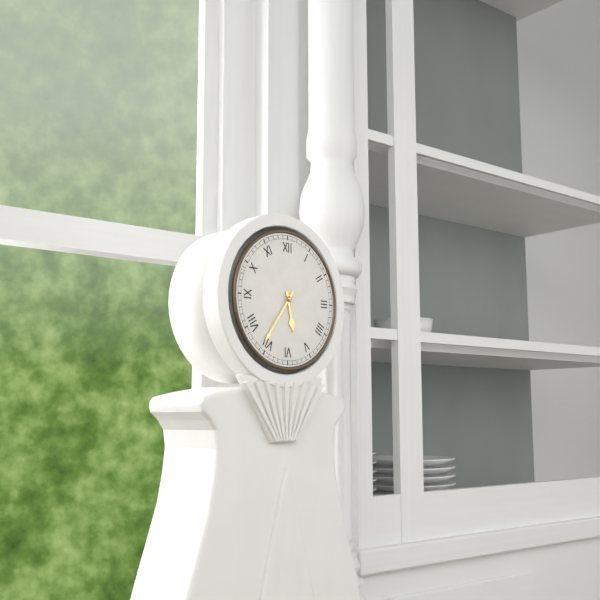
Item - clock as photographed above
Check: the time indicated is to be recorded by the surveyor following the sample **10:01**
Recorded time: **5:36**
